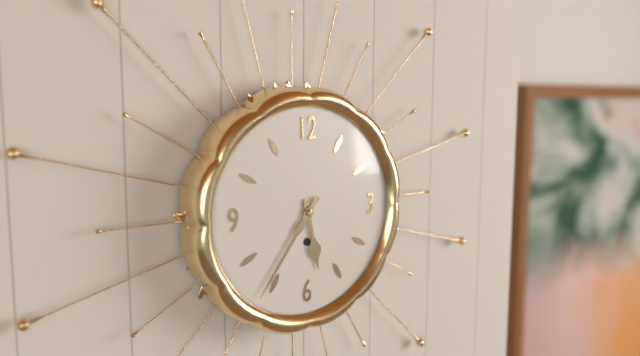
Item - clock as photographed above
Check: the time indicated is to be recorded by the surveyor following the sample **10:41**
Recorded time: **5:36**
